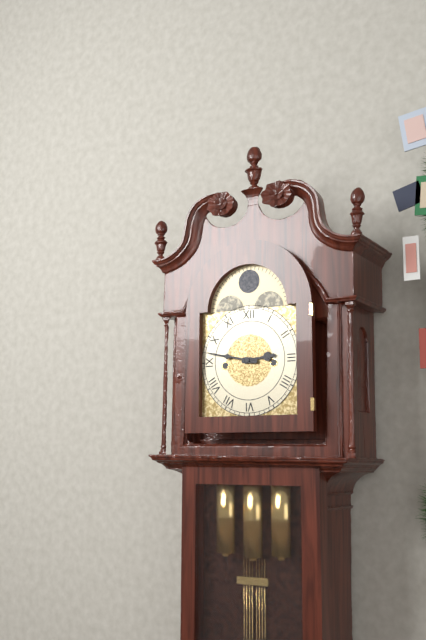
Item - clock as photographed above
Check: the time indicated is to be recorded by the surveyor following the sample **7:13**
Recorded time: **2:47**
